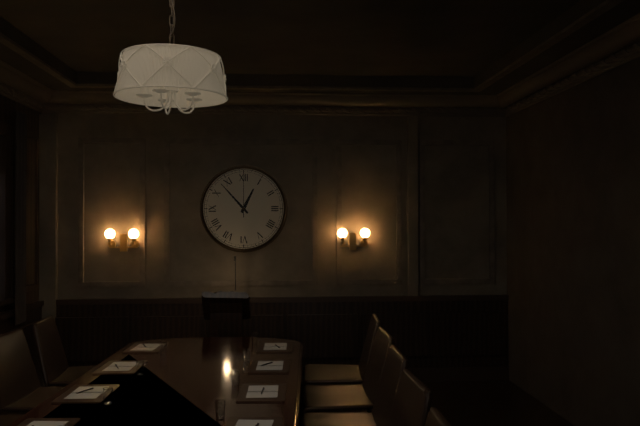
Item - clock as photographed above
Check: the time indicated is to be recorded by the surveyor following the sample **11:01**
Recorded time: **12:53**
